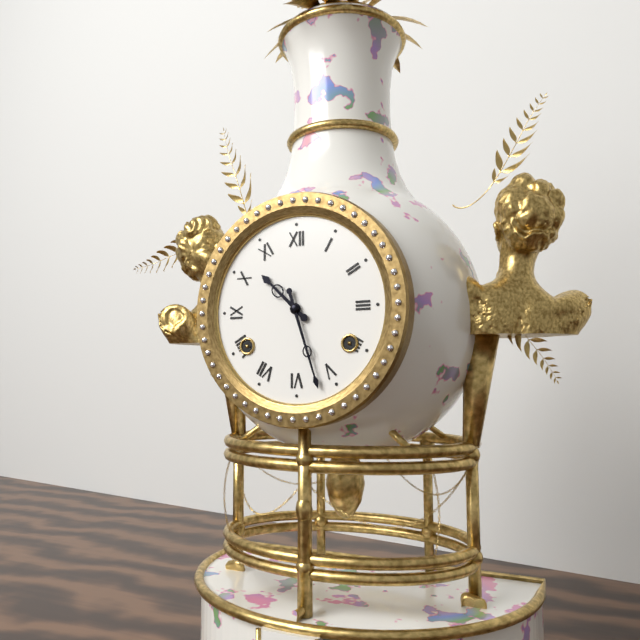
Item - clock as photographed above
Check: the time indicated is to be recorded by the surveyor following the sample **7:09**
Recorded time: **10:27**
